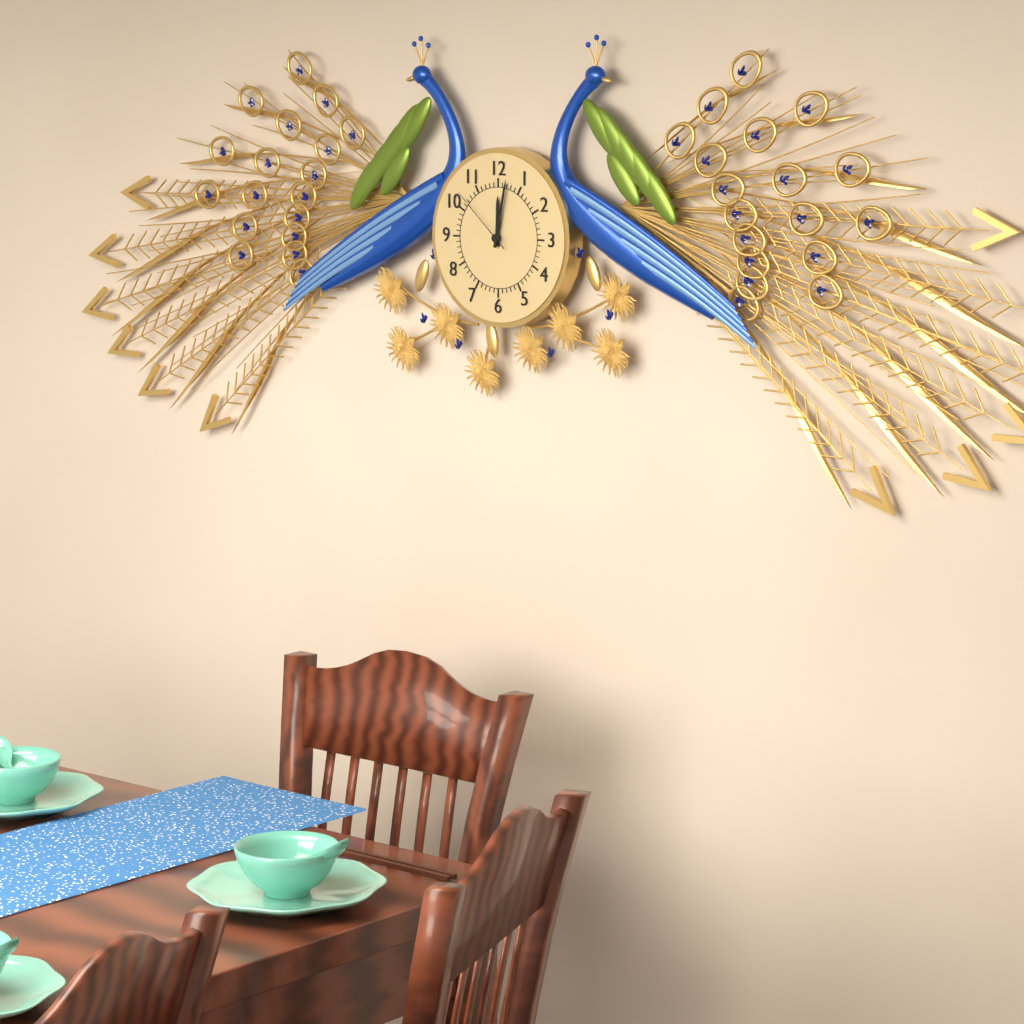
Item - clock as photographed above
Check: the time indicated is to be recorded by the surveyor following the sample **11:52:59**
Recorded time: **12:02:52**
